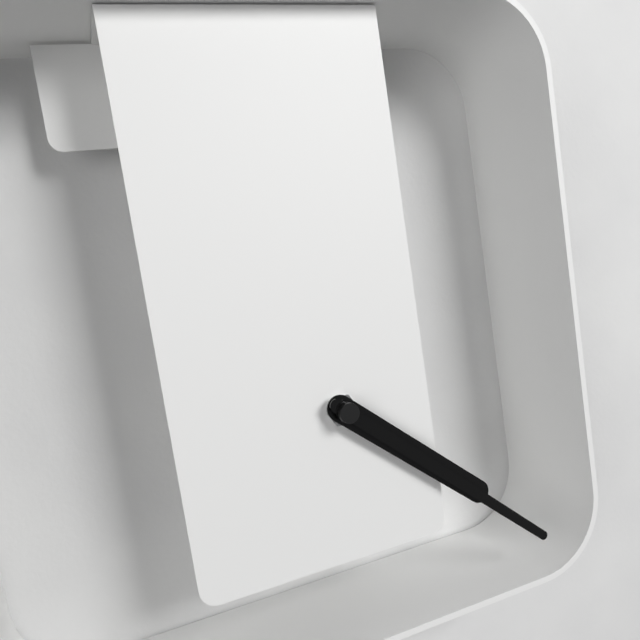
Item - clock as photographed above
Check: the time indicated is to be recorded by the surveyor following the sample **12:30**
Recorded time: **4:22**
